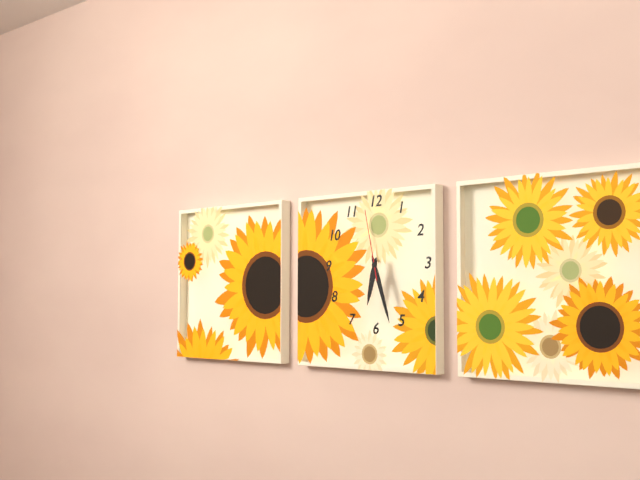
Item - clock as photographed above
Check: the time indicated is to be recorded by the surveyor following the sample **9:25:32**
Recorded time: **6:27:58**
